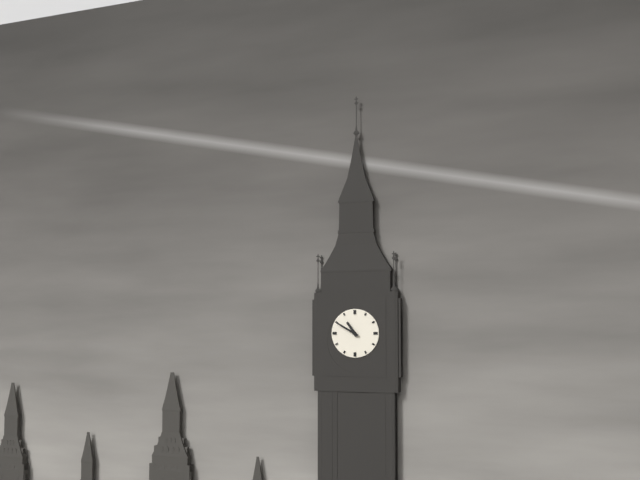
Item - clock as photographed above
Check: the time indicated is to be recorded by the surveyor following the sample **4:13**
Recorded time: **10:50**
